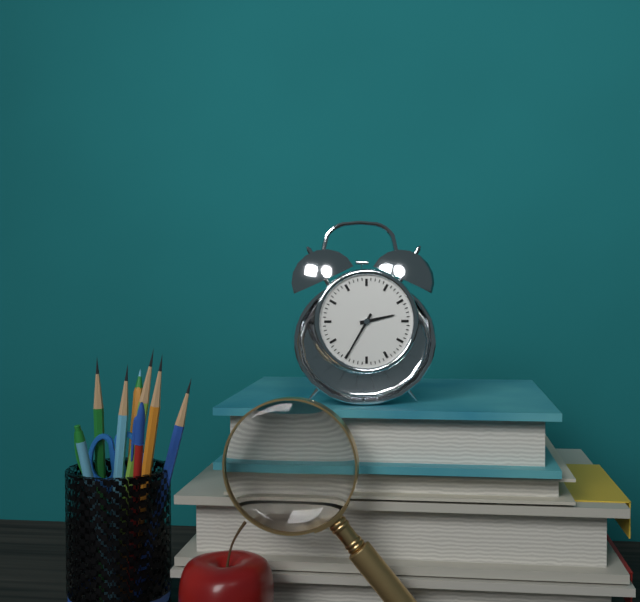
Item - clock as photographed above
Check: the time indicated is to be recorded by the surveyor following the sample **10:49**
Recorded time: **2:35**
